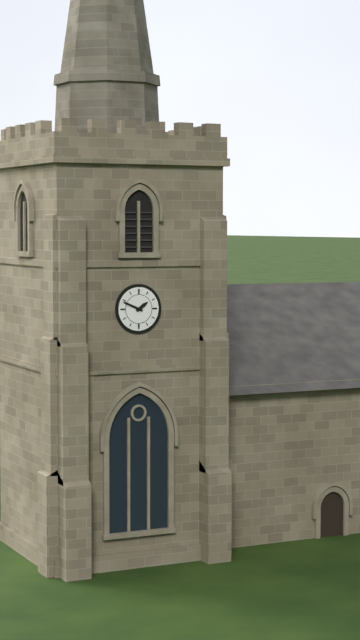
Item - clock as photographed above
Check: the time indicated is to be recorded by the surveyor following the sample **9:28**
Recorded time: **1:49**
